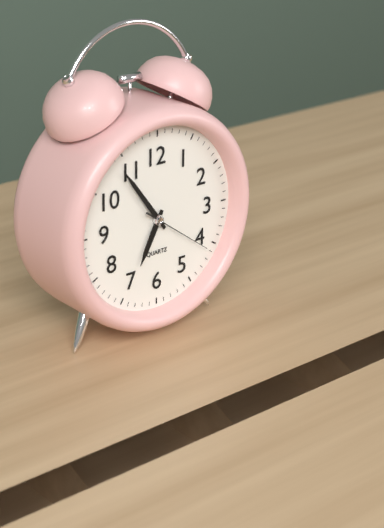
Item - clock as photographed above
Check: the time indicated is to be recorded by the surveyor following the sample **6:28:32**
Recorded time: **6:54:21**
